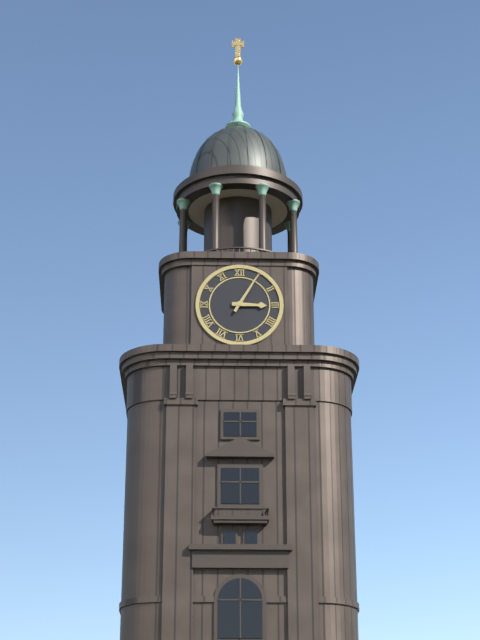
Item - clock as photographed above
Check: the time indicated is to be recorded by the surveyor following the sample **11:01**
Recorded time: **3:05**
